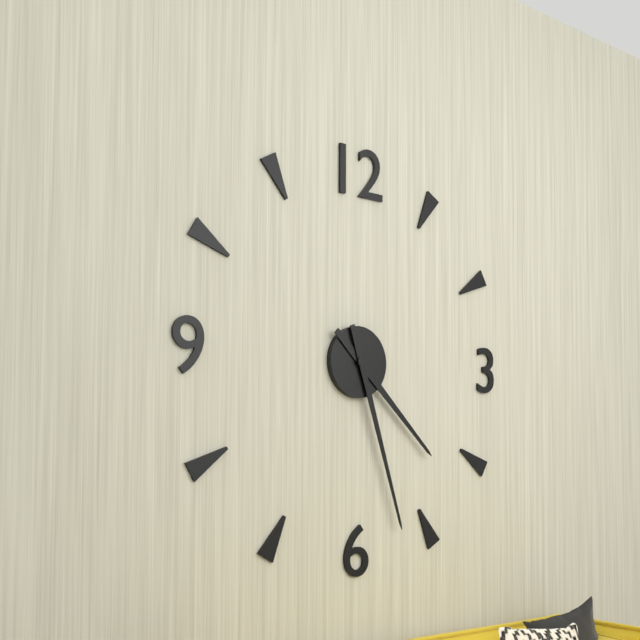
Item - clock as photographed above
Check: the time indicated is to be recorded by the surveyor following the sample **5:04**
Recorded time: **4:27**
